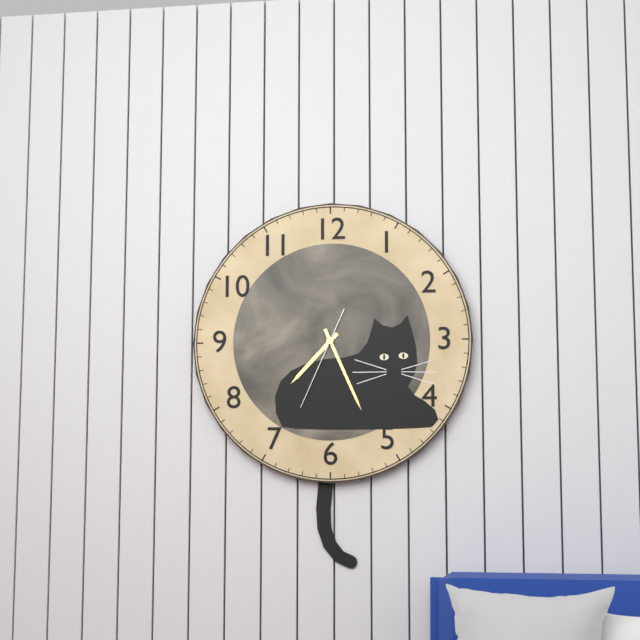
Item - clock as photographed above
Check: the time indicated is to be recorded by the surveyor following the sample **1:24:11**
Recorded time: **7:26:34**
